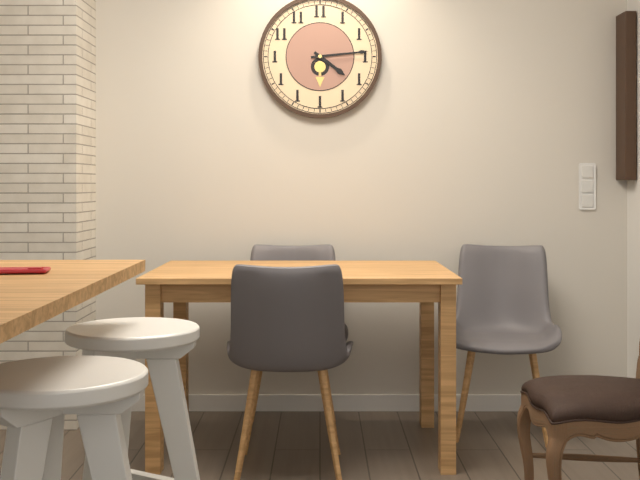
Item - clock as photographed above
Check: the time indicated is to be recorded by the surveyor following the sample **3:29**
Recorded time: **4:14**
